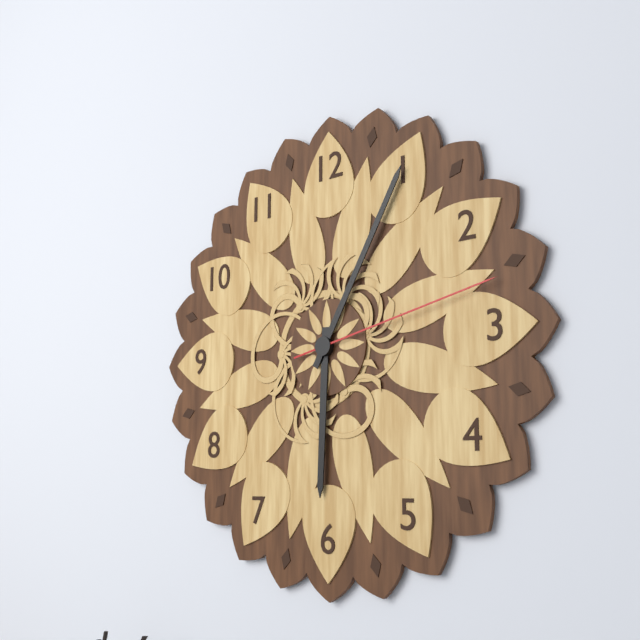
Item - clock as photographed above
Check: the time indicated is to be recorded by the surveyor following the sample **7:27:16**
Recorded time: **6:05:13**
